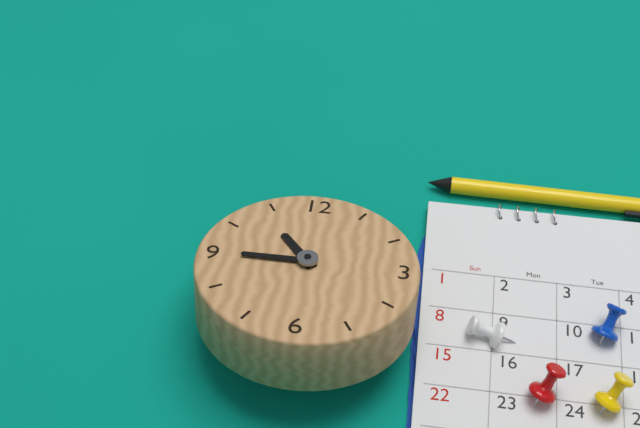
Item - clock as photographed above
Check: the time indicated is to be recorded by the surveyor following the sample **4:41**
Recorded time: **10:45**
